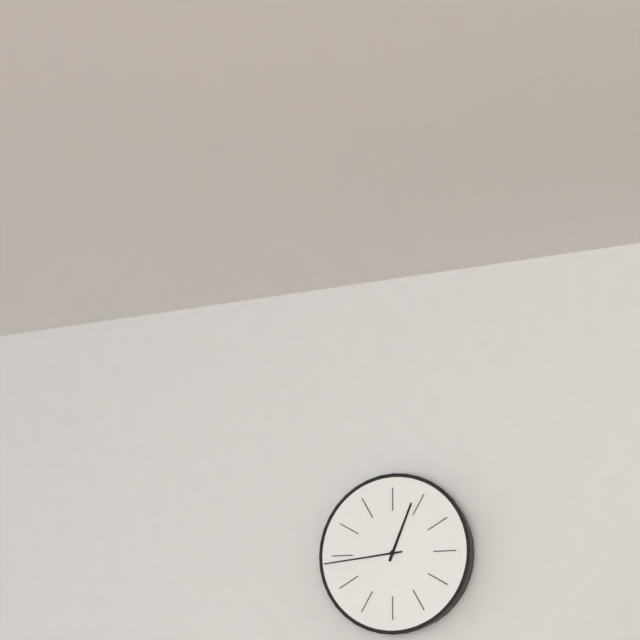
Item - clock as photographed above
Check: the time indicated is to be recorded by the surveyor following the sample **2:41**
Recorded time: **12:44**
